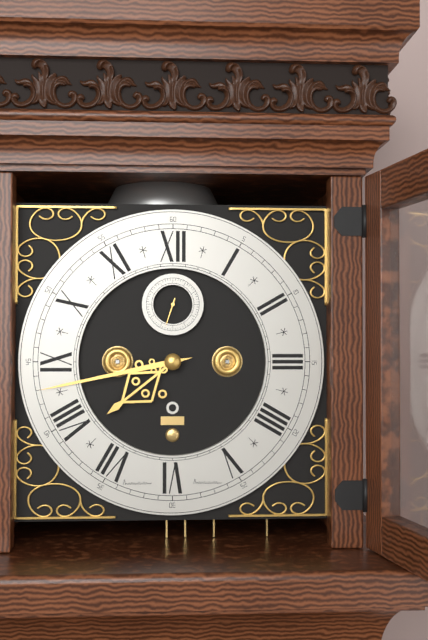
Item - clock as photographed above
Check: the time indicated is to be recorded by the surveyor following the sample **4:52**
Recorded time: **7:43**
